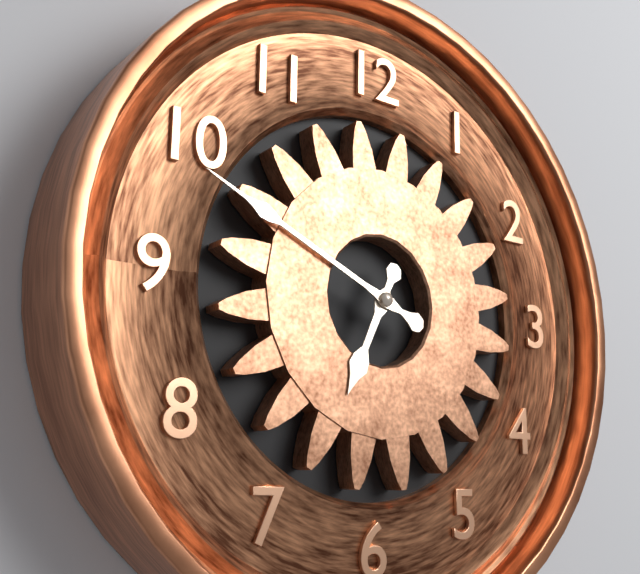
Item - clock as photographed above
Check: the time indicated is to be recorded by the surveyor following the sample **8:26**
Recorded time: **6:49**
